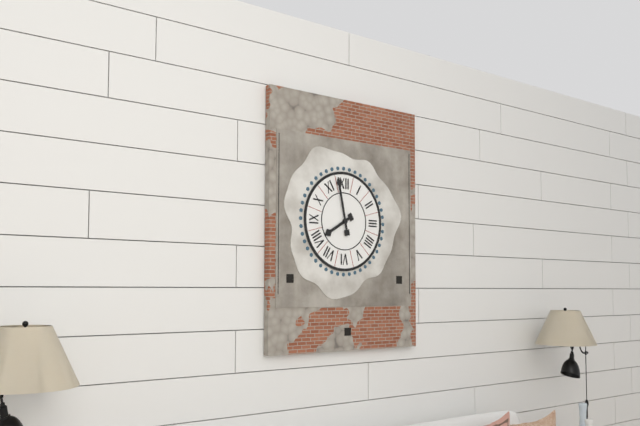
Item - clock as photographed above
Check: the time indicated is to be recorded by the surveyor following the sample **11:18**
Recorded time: **7:58**
